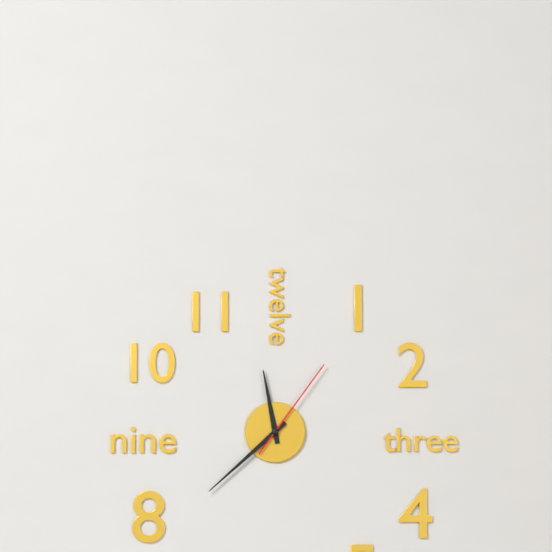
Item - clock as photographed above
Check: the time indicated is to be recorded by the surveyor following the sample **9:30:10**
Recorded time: **11:38:06**
